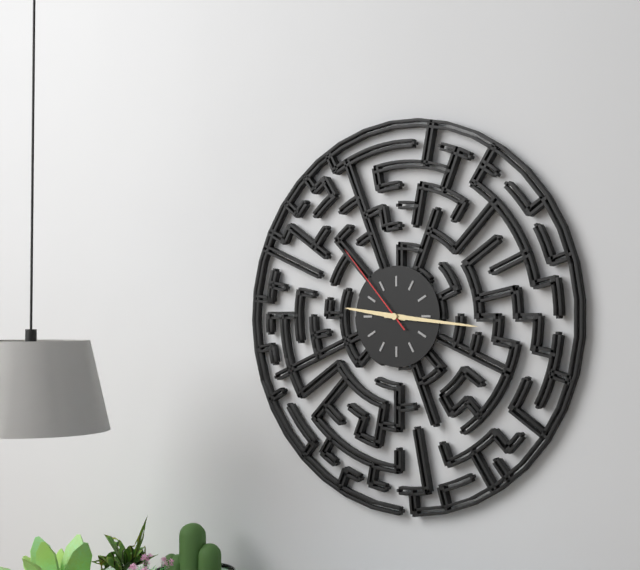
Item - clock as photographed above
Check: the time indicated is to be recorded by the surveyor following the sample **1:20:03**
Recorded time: **9:16:53**
